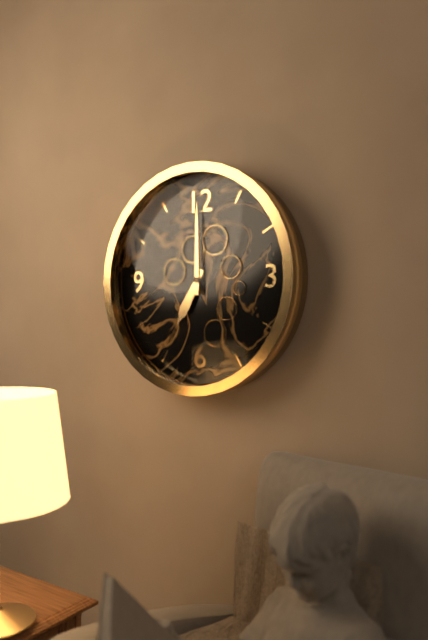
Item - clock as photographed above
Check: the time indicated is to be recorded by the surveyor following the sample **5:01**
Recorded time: **7:00**
